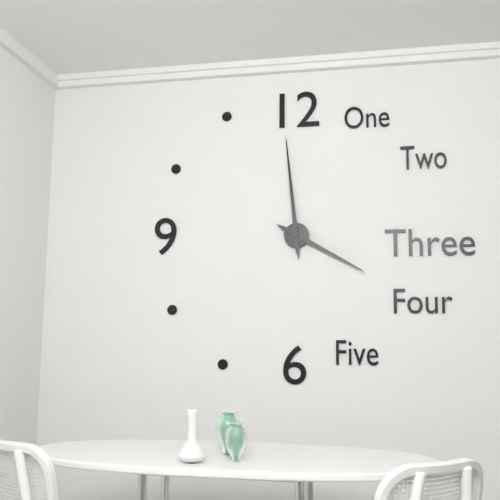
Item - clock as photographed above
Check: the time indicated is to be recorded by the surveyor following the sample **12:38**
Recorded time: **3:59**
